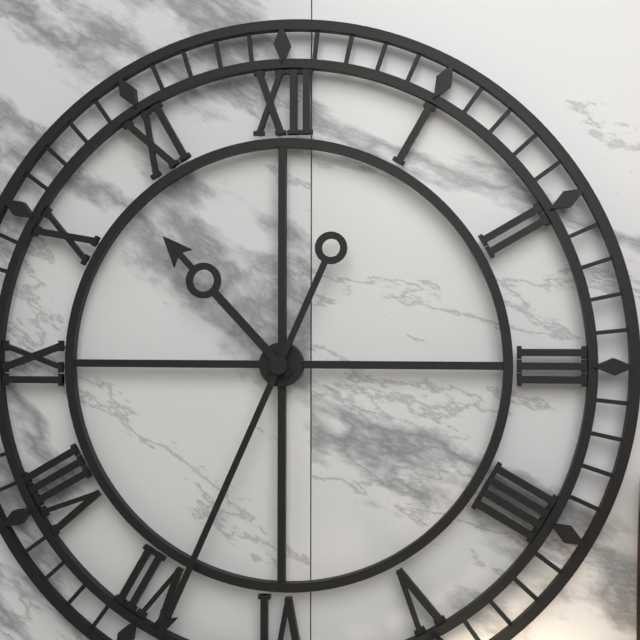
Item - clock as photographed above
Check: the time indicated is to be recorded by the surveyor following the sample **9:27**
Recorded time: **10:34**
